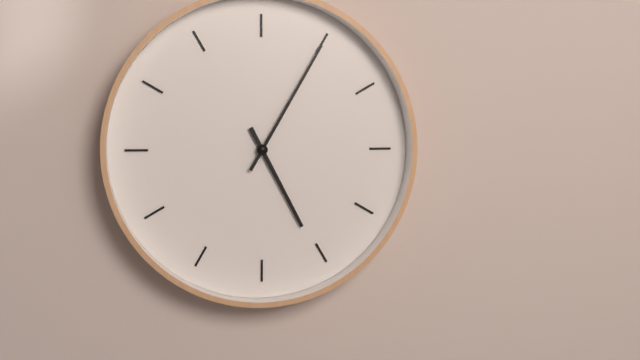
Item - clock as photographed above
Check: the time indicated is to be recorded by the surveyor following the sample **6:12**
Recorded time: **5:05**
